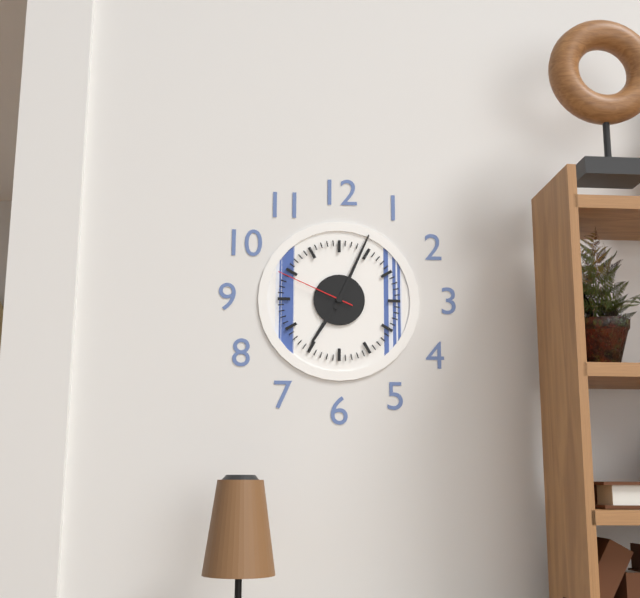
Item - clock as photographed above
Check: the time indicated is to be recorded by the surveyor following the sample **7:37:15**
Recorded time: **7:04:49**
